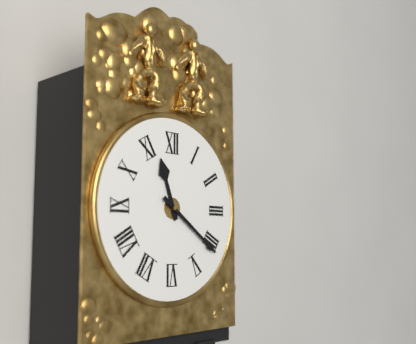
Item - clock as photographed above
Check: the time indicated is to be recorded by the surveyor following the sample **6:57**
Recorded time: **11:21**
